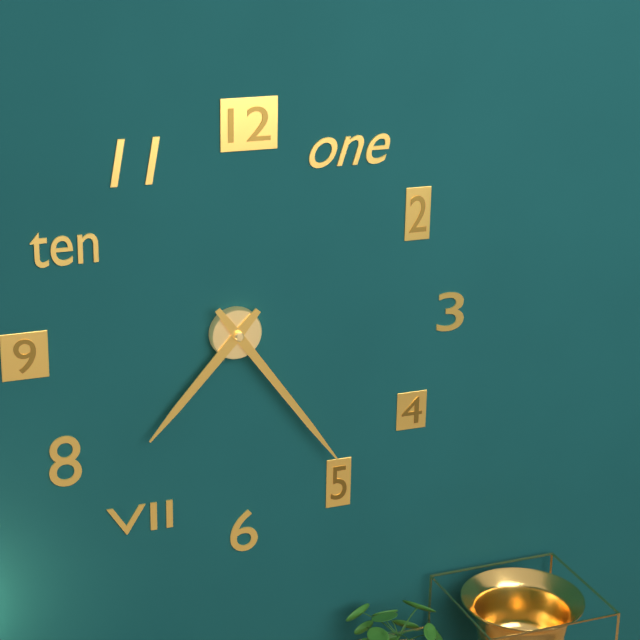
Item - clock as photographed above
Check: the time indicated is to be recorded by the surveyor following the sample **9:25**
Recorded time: **7:24**
